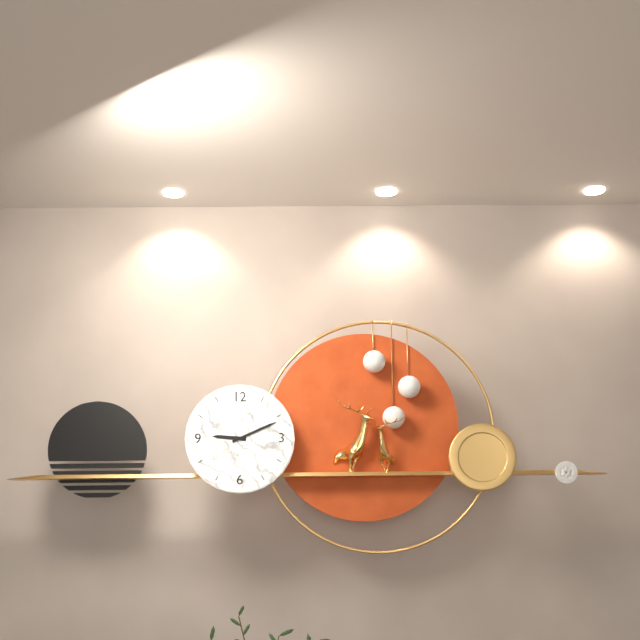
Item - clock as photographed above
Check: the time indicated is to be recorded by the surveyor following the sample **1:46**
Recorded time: **9:11**
